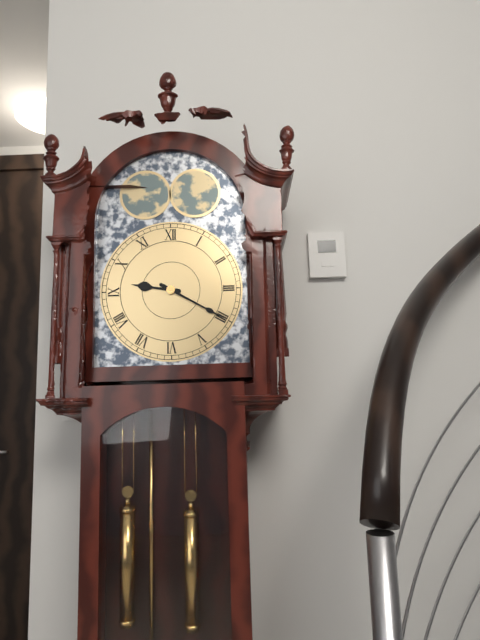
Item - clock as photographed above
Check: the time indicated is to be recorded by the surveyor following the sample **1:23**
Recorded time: **9:20**
